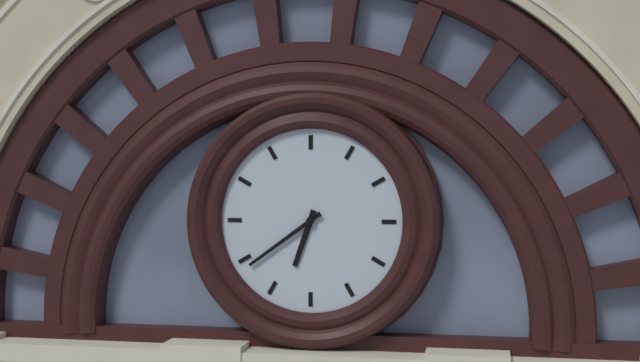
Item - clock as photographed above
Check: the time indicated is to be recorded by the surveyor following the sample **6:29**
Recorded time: **6:39**
